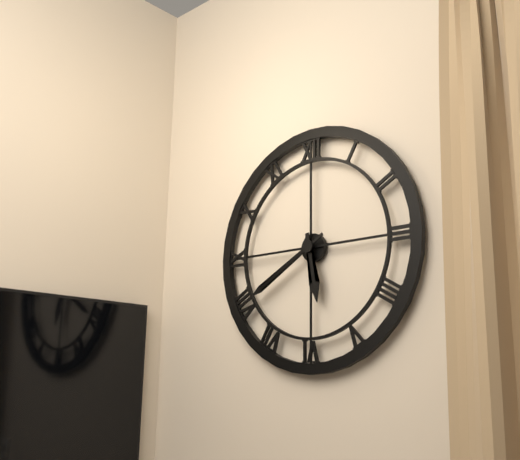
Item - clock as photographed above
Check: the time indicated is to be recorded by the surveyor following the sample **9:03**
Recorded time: **5:40**
